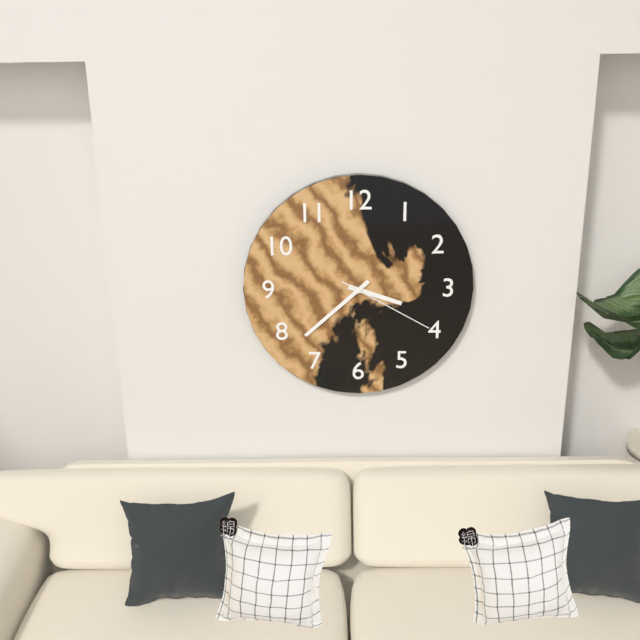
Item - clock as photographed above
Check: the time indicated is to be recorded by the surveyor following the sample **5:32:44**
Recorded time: **3:38:20**
